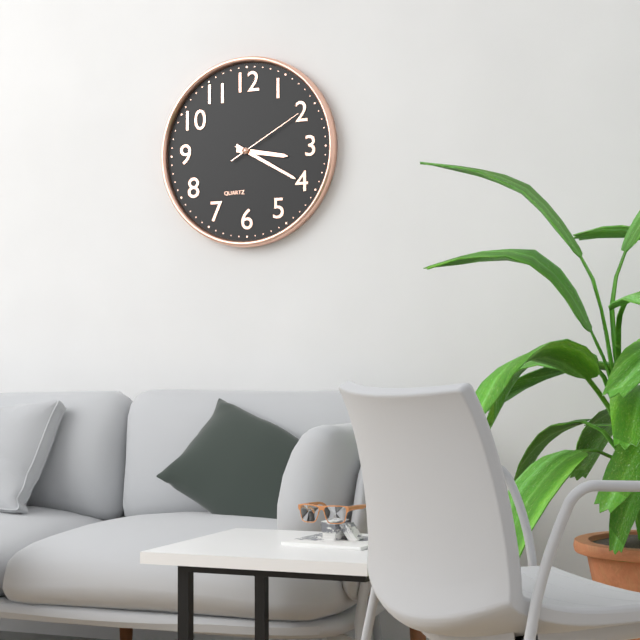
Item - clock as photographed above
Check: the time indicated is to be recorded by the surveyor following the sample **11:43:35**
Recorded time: **3:20:10**
